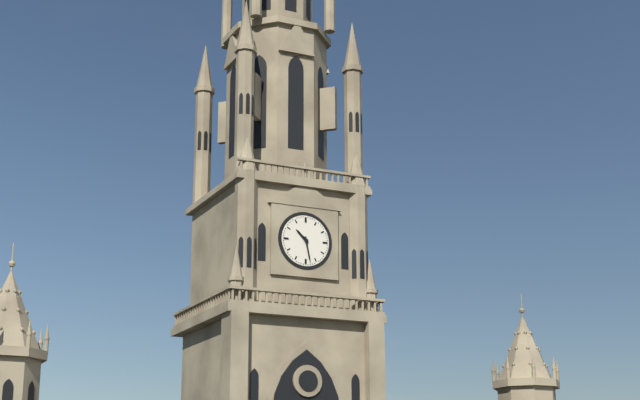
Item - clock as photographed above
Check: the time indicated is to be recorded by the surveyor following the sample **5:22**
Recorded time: **10:28**
